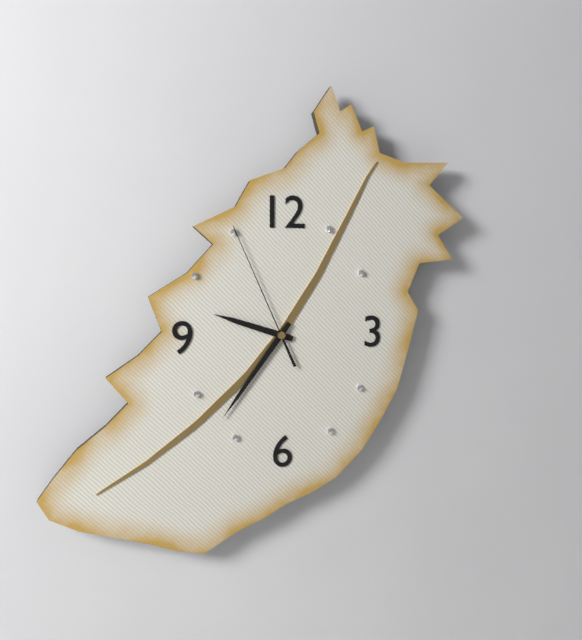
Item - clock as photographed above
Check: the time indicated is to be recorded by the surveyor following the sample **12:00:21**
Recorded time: **9:36:56**
